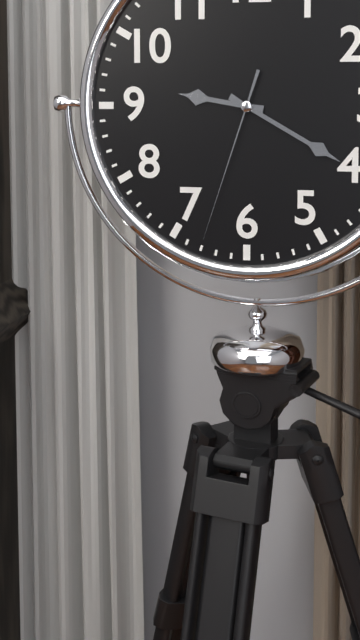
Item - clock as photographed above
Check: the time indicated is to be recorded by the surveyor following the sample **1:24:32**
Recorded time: **9:20:33**
